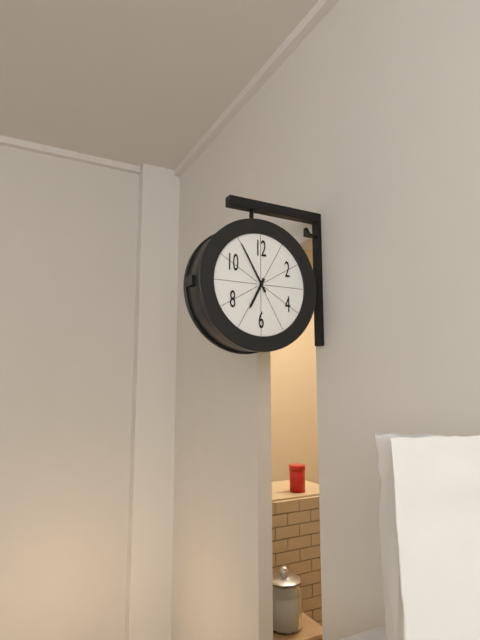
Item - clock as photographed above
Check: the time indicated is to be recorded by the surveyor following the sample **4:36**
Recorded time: **6:55**
